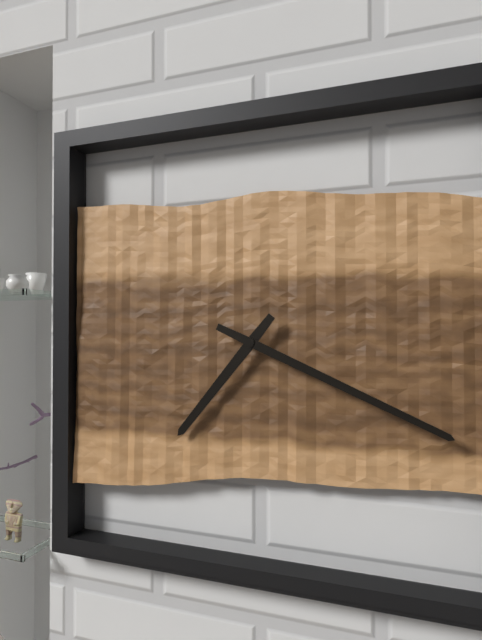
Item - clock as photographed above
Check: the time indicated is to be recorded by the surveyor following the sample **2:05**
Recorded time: **7:19**
